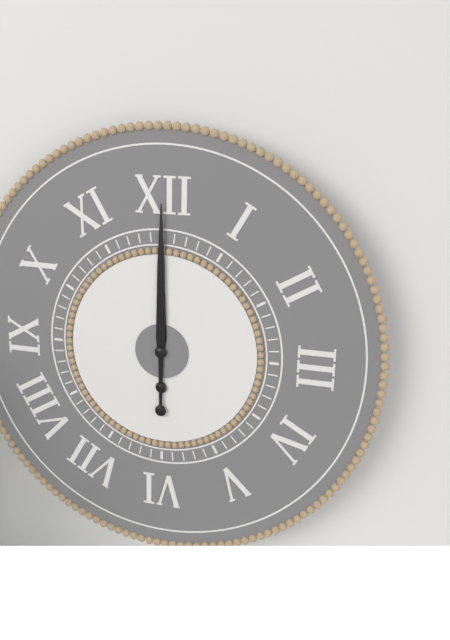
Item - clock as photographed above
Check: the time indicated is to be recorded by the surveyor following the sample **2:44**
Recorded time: **12:00**
